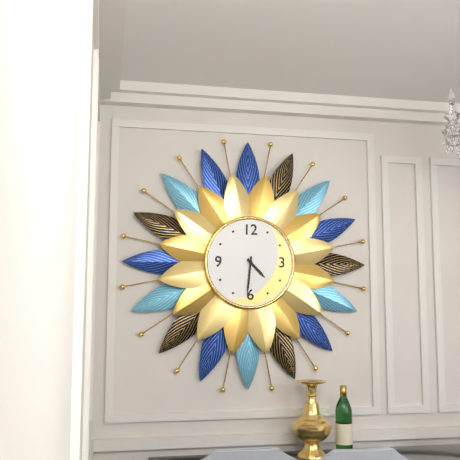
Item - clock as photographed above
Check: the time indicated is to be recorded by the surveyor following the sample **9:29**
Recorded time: **4:31**
